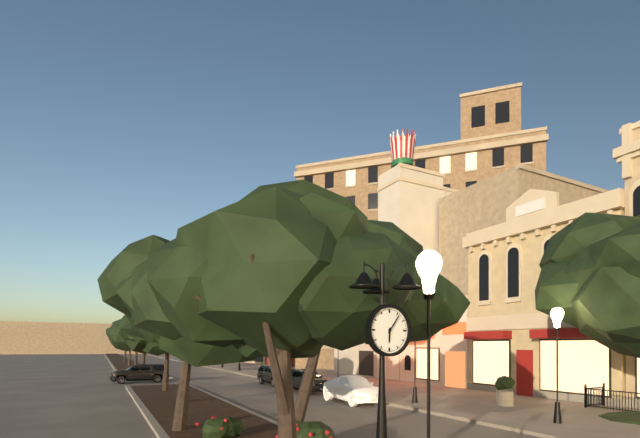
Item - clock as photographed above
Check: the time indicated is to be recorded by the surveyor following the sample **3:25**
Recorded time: **6:06**
